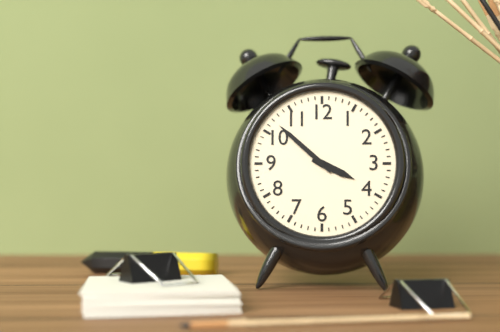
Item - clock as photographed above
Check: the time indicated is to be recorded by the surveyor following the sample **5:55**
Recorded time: **3:52**
